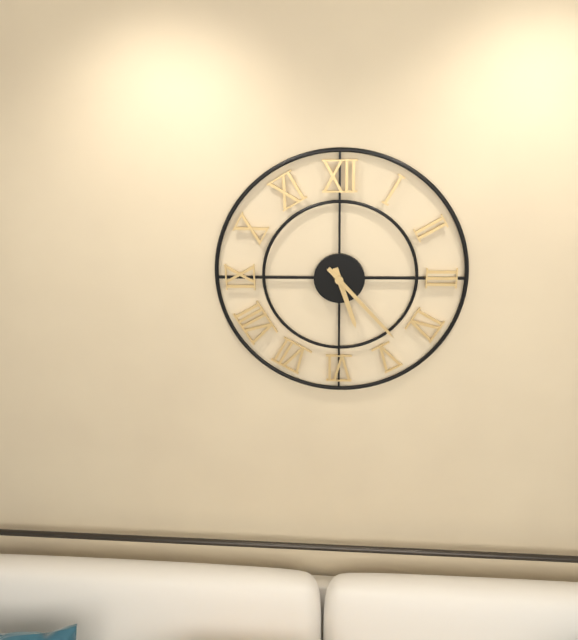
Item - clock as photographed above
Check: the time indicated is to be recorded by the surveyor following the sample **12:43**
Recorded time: **5:23**
